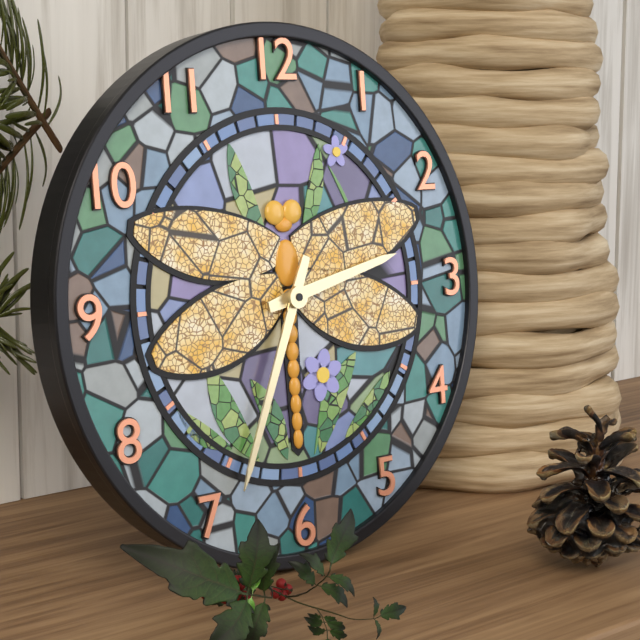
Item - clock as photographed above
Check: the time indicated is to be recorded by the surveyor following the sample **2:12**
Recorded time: **2:34**
